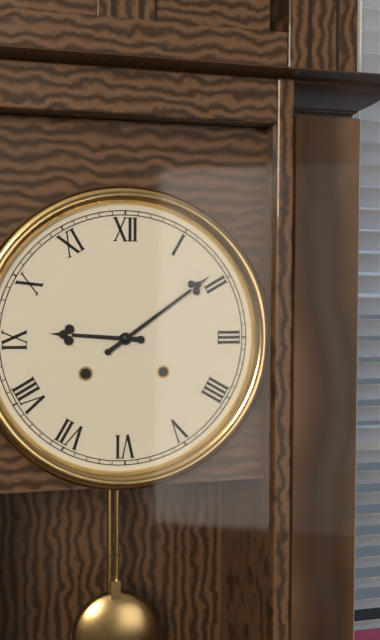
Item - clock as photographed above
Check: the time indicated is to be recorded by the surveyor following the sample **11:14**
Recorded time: **9:09**
